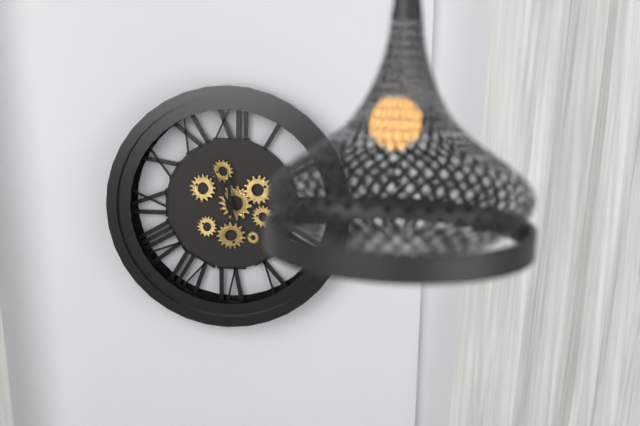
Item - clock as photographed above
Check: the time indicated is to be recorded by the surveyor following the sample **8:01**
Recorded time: **11:56**
